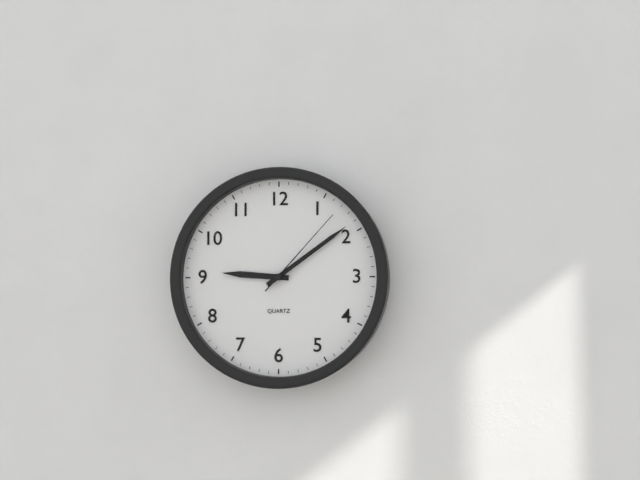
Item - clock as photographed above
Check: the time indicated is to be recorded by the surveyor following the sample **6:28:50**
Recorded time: **9:09:07**
